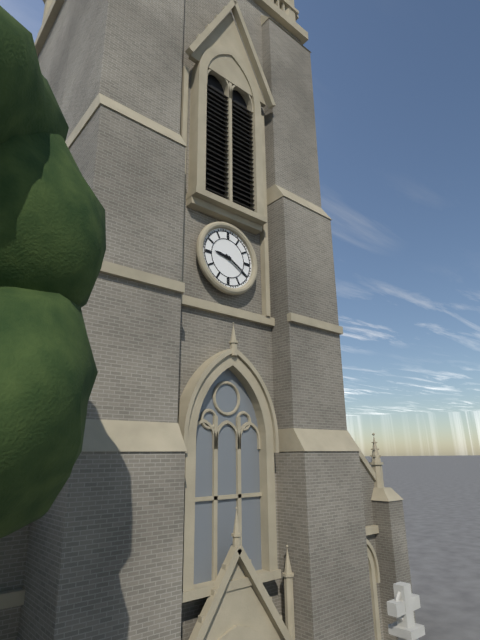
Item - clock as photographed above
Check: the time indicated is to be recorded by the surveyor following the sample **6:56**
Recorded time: **9:20**
